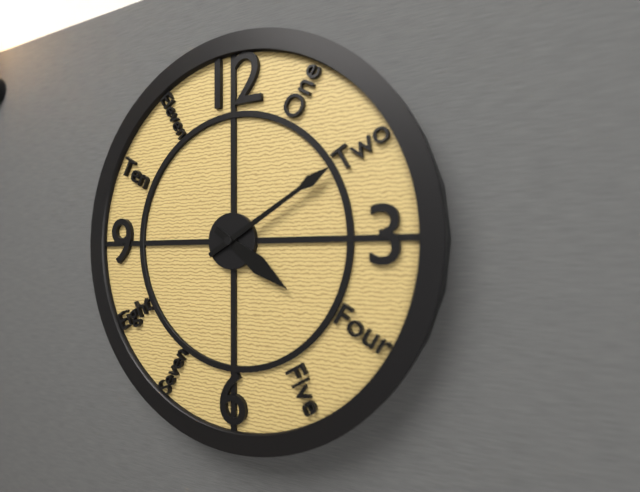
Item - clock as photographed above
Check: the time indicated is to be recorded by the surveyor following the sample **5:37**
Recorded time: **4:10**
